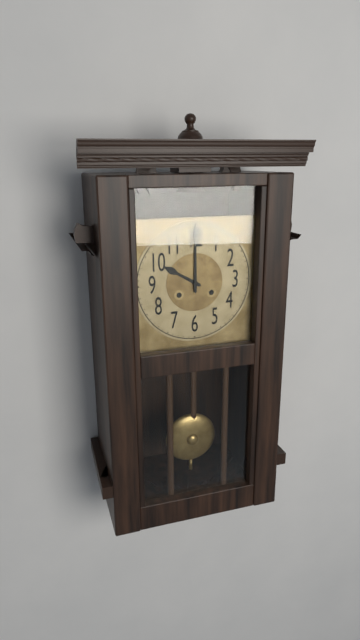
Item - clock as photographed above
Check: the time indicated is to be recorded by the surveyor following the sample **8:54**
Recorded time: **10:00**
